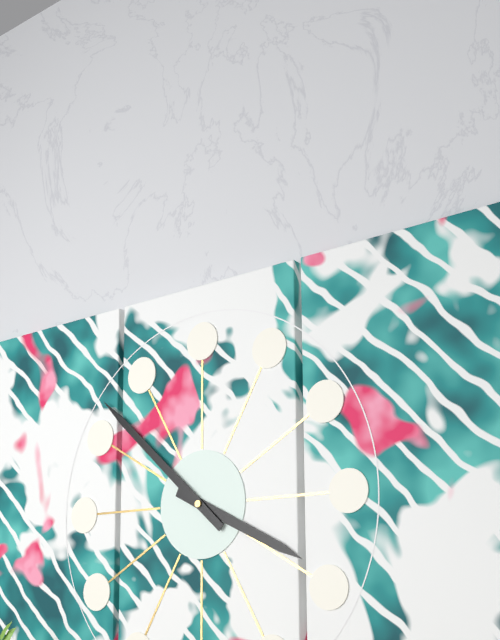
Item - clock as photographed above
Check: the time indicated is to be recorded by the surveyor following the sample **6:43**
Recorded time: **3:52**
